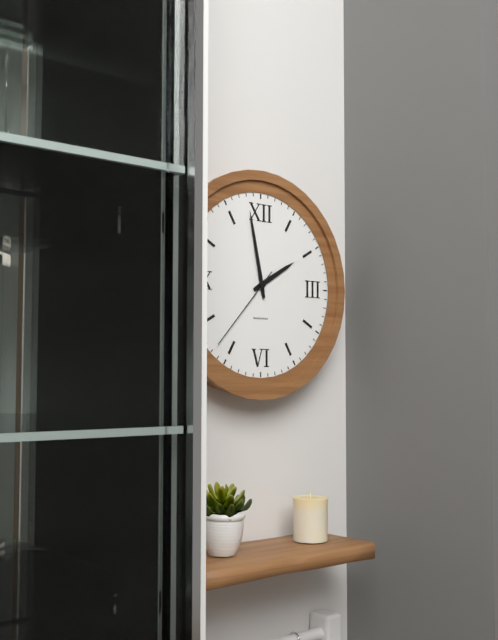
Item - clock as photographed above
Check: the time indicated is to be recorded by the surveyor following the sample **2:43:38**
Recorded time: **1:58:37**
